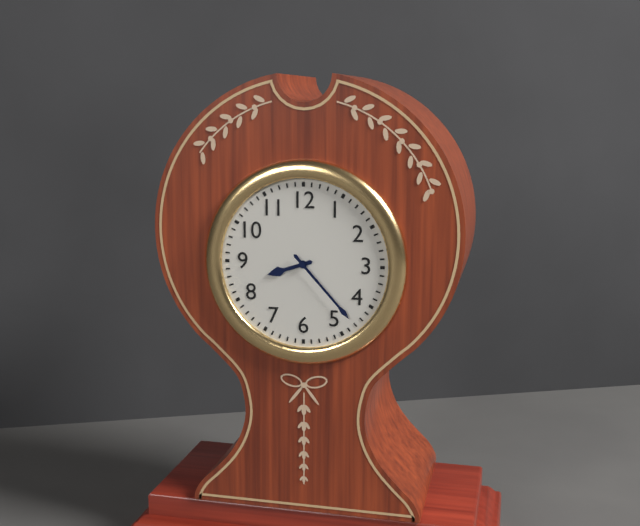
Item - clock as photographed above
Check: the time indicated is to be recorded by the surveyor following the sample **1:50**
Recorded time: **8:23**
